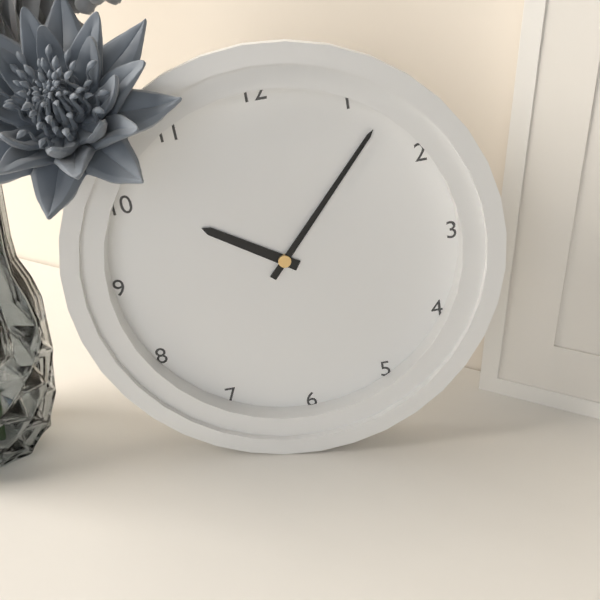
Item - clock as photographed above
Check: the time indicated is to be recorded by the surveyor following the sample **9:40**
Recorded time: **10:07**
